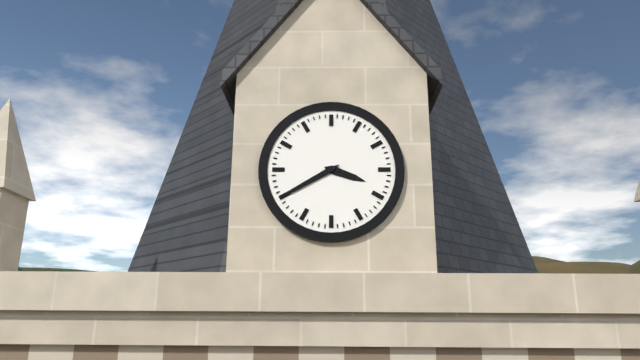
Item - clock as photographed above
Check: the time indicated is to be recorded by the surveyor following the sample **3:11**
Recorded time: **3:40**
